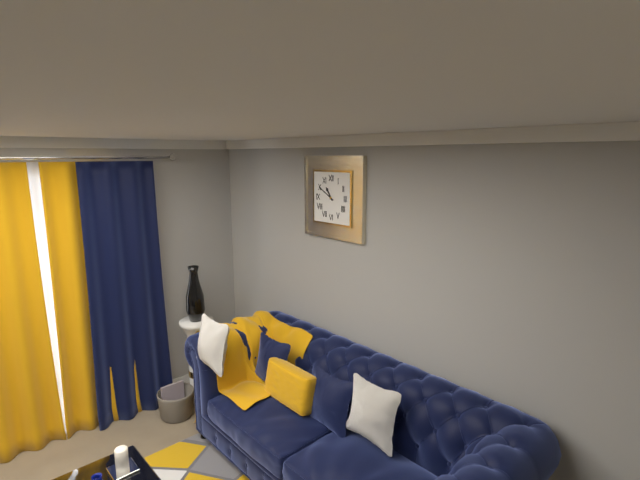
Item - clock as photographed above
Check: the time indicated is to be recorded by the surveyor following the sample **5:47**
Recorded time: **10:50**
